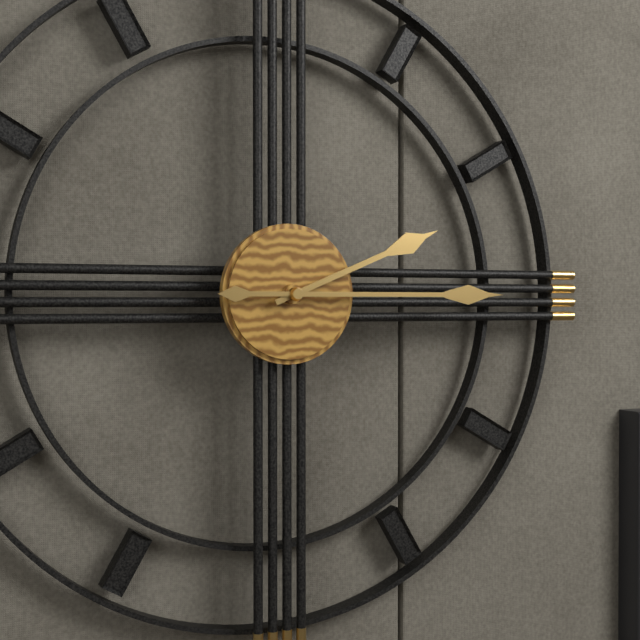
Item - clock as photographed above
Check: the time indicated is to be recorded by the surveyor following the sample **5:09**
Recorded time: **2:15**
